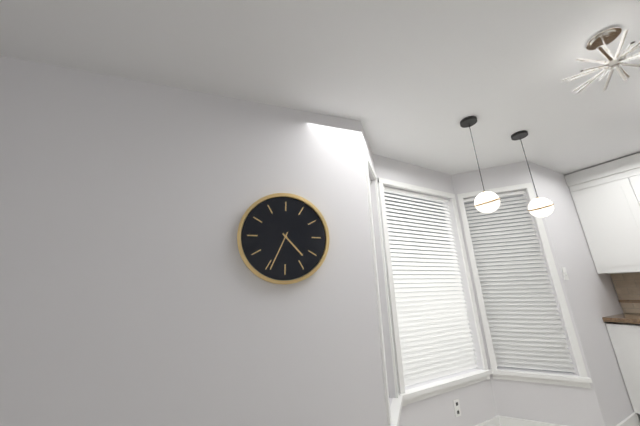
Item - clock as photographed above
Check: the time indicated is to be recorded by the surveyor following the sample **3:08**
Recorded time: **4:34**
